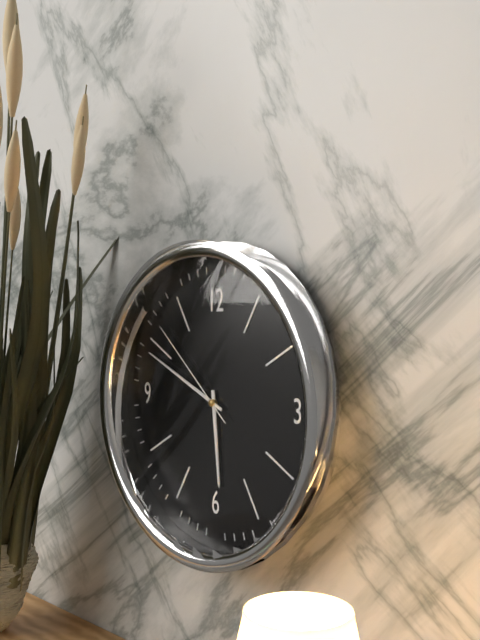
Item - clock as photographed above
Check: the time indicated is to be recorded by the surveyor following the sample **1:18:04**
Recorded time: **5:49:52**
